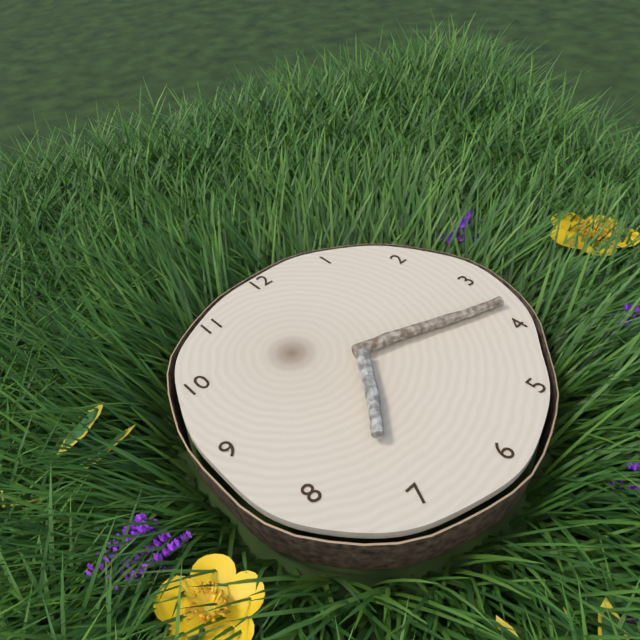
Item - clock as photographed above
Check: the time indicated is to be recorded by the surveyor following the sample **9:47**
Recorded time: **7:18**
